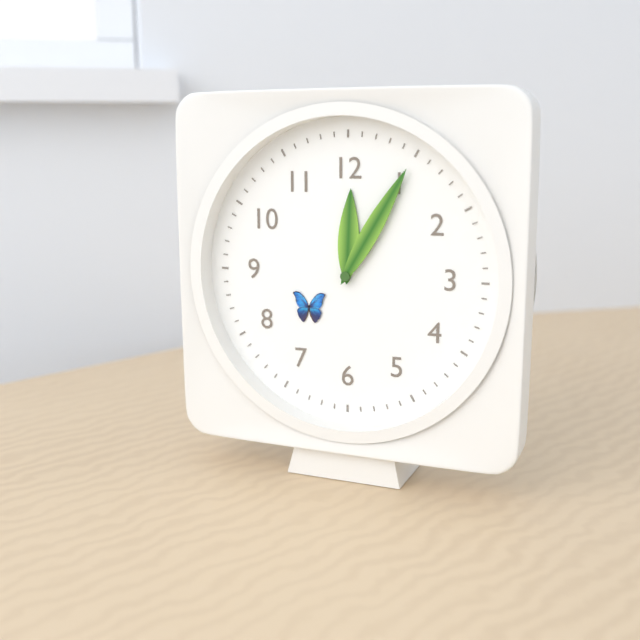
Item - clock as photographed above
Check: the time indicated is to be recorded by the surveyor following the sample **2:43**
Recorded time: **12:05**
